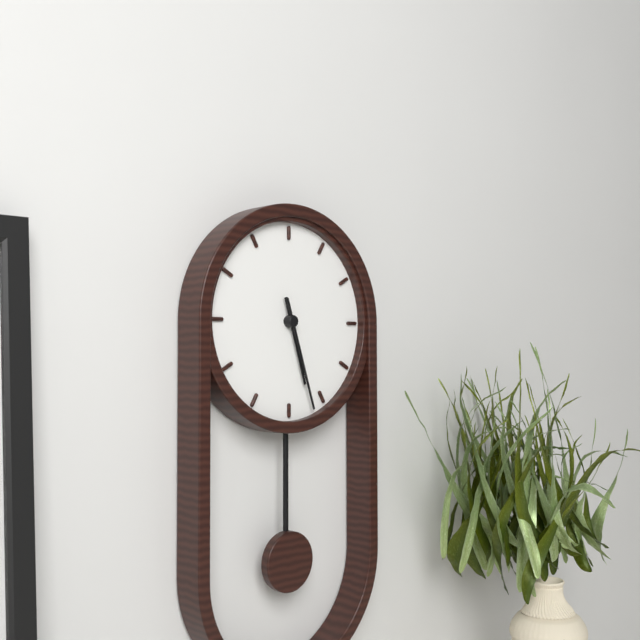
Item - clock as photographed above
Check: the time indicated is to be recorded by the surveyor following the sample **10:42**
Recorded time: **5:27**
